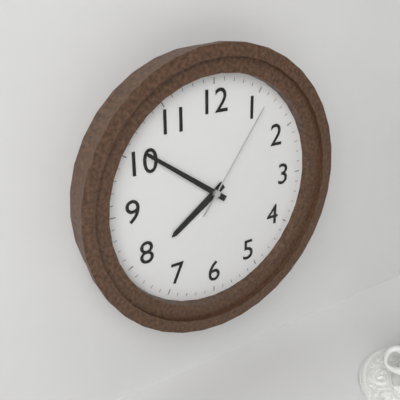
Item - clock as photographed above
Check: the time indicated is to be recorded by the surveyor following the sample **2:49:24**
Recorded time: **7:51:06**
